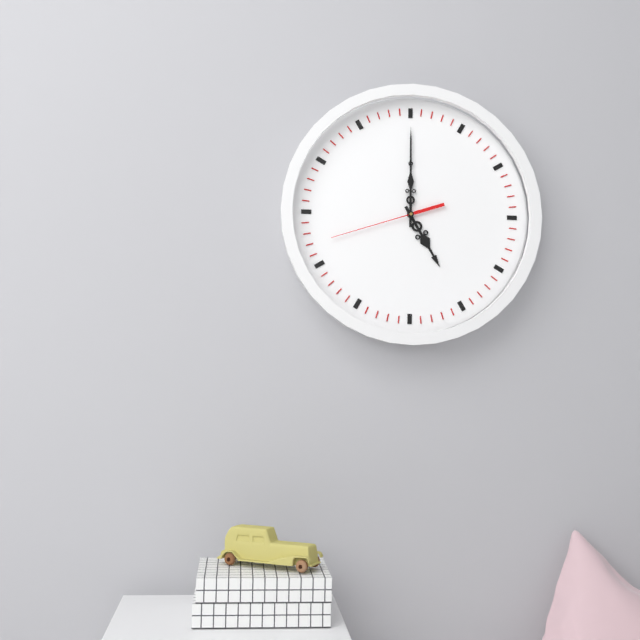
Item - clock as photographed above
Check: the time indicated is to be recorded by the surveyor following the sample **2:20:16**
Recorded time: **5:00:42**
